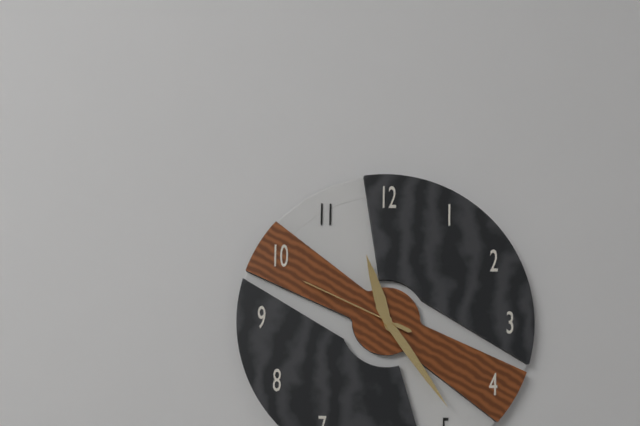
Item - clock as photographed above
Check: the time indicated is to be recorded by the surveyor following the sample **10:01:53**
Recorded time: **11:24:49**
